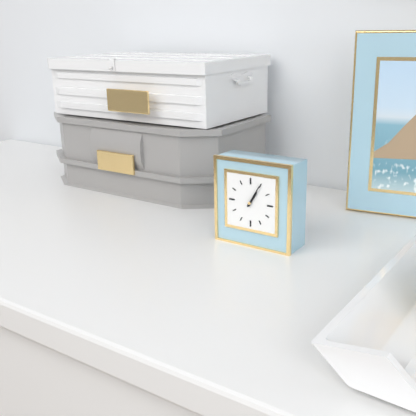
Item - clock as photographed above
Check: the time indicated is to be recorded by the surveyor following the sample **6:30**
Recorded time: **1:05**
